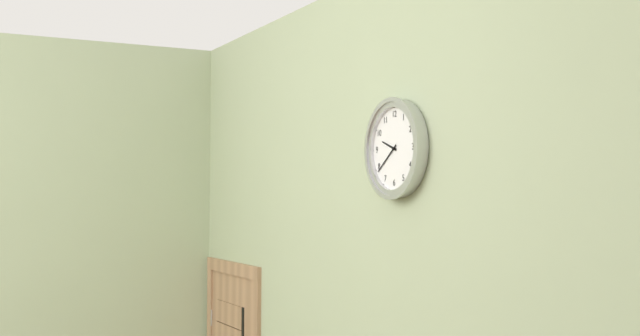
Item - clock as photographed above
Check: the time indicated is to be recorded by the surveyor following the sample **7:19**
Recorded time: **9:39**
